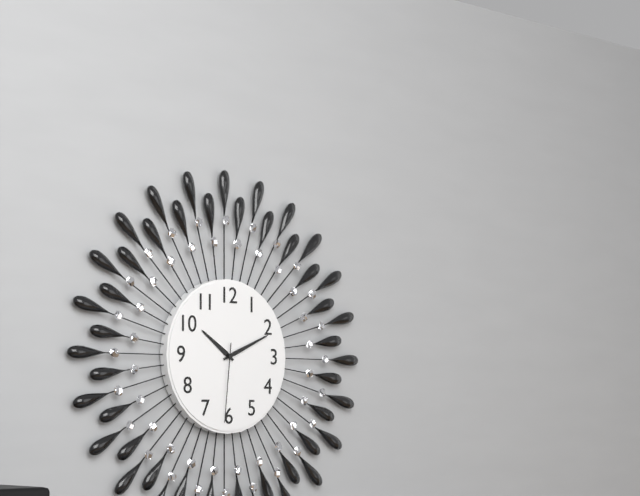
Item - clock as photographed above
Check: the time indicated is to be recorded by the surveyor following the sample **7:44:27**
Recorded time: **10:11:31**
